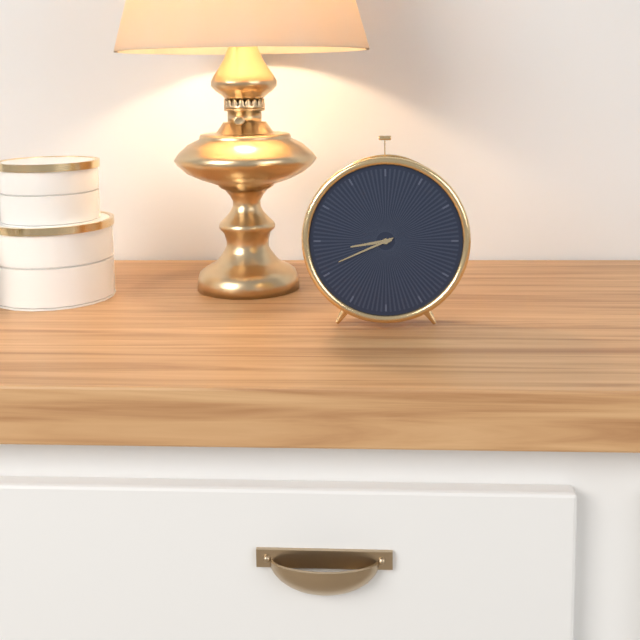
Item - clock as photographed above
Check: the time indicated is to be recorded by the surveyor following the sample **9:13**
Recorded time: **8:41**
